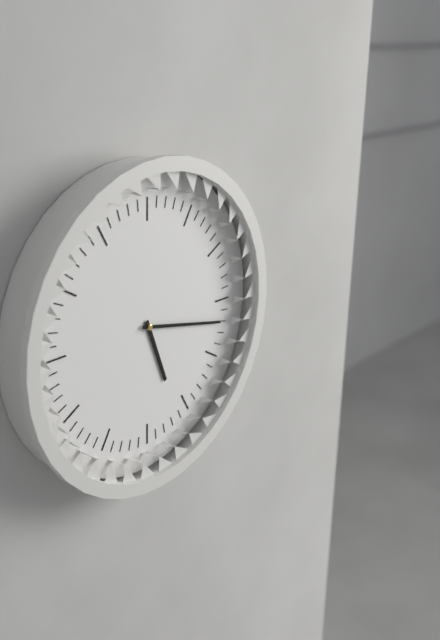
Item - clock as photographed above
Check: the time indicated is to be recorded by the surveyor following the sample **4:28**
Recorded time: **5:17**
